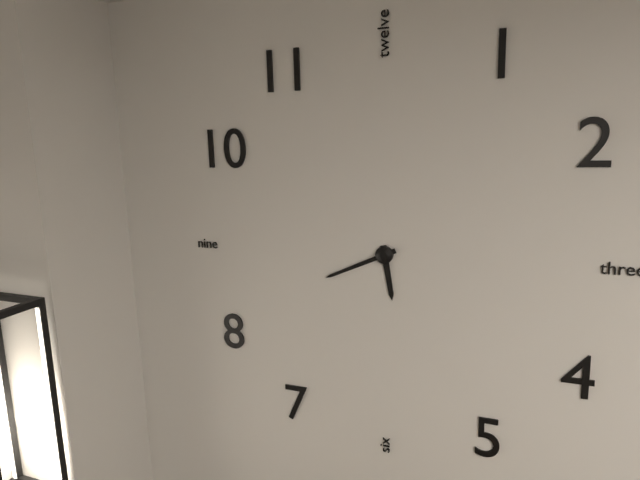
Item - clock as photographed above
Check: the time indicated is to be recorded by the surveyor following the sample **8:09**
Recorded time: **5:41**
